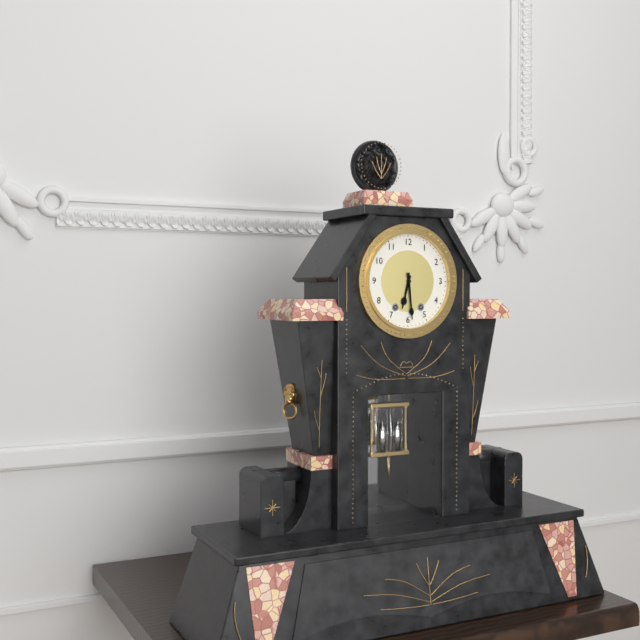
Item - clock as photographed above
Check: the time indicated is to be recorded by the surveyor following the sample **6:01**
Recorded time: **6:29**
